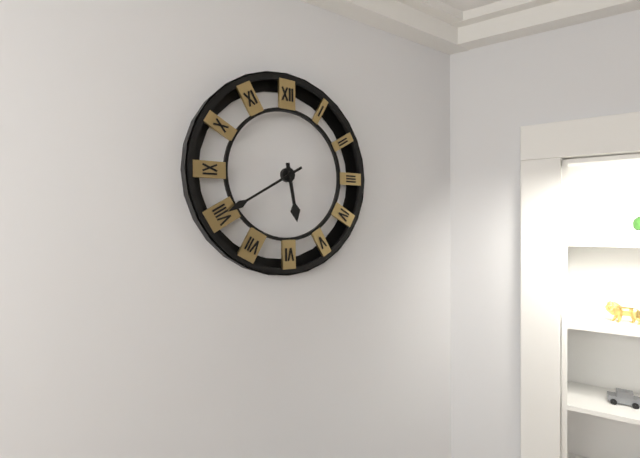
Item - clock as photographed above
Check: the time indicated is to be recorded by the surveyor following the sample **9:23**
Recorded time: **5:40**
